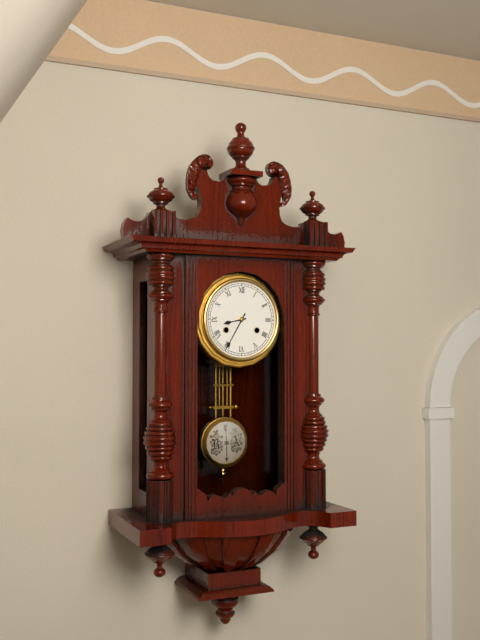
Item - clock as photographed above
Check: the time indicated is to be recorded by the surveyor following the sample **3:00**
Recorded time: **8:35**
